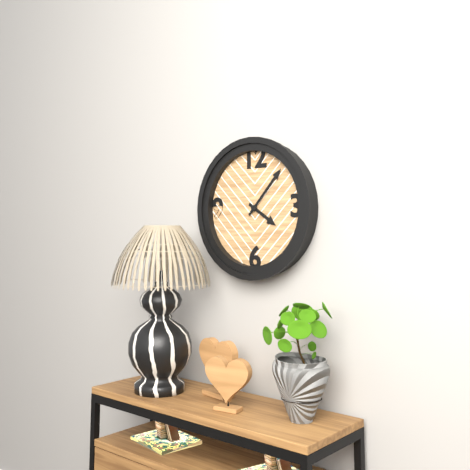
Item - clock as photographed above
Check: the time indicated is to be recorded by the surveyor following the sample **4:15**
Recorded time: **4:07**
